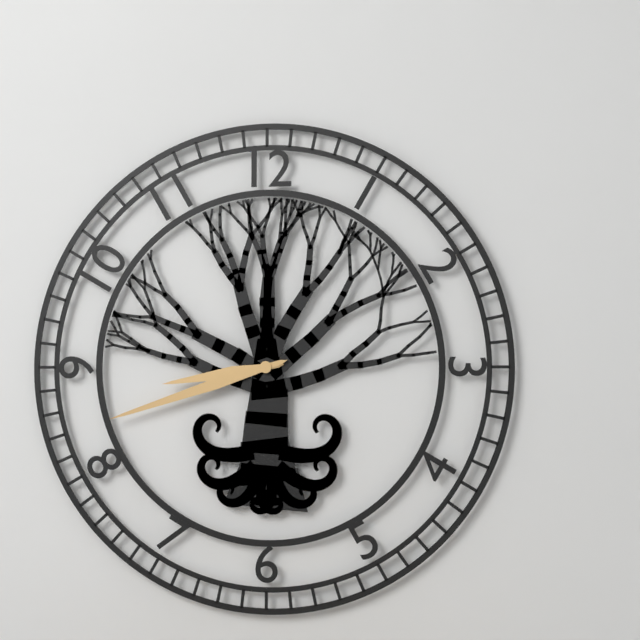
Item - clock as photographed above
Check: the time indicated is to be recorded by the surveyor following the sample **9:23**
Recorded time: **8:42**
